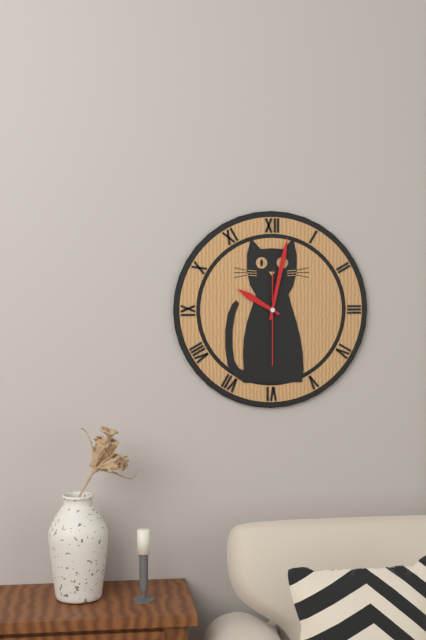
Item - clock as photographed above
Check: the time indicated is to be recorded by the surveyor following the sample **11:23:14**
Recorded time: **10:02:30**
